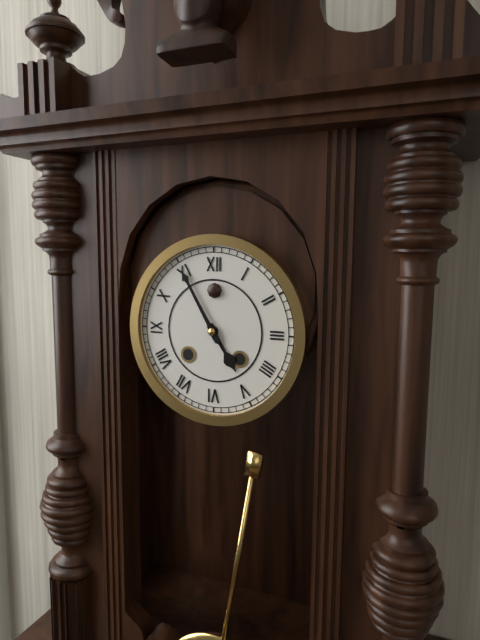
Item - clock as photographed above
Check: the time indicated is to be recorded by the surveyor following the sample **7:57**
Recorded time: **4:55**
